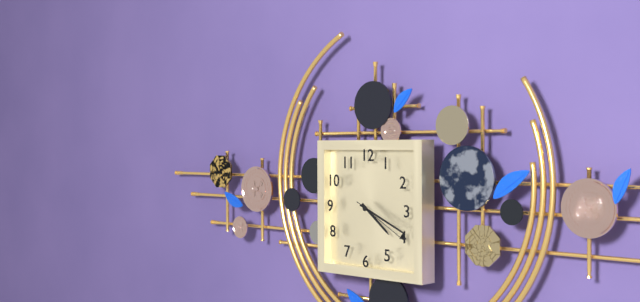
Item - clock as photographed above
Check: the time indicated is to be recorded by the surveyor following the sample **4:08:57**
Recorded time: **4:19:20**
